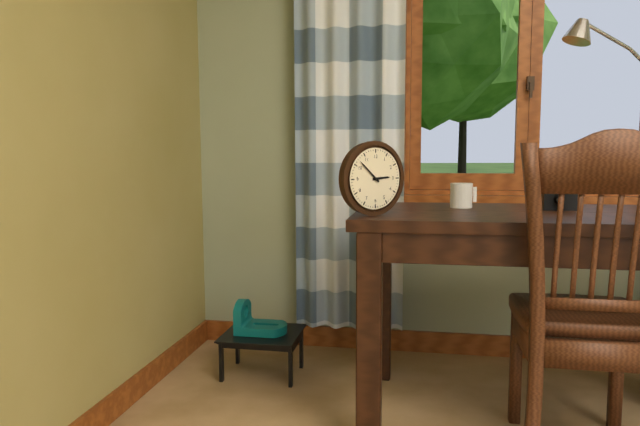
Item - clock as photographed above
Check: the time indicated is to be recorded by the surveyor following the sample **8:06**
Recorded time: **2:52**
